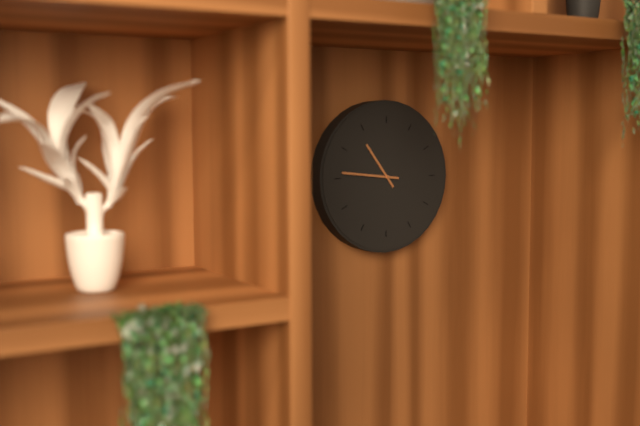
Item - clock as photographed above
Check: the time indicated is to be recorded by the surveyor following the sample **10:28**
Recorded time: **10:46**
